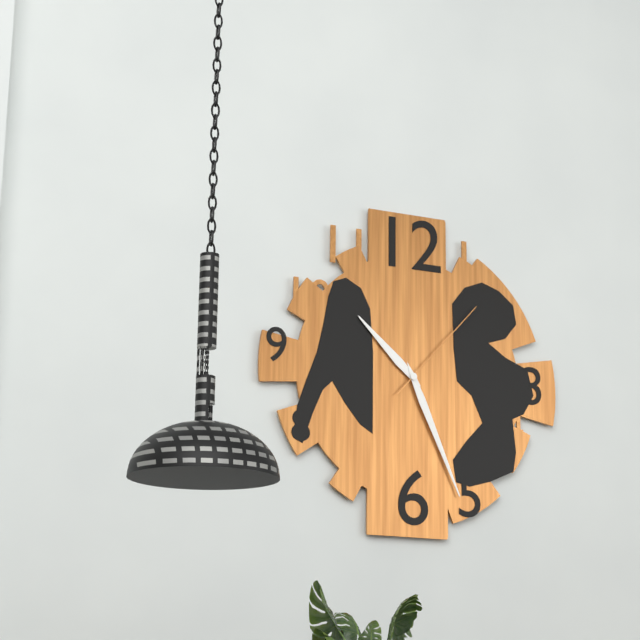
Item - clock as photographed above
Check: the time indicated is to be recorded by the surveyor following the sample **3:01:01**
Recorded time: **10:26:07**
